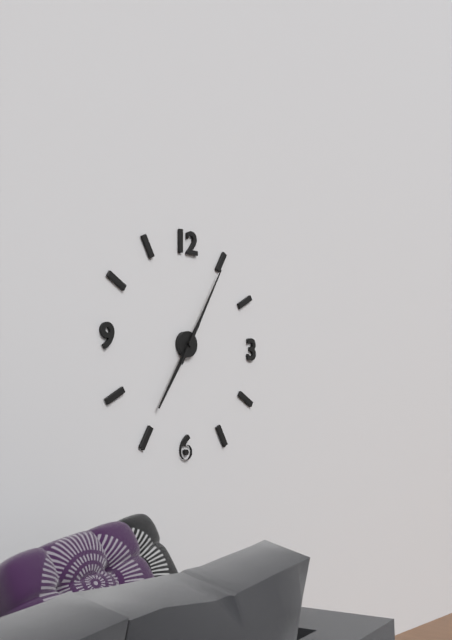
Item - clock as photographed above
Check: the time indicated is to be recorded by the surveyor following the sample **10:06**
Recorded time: **7:05**
